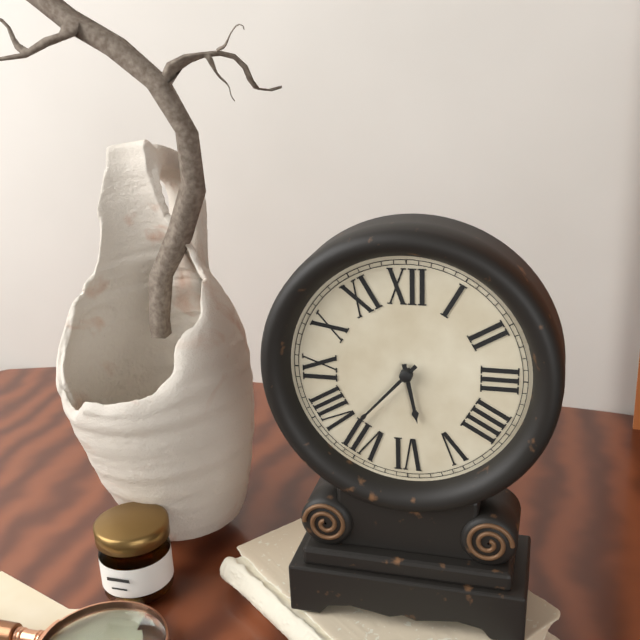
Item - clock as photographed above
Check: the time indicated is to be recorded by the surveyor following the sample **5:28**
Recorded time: **5:37**
